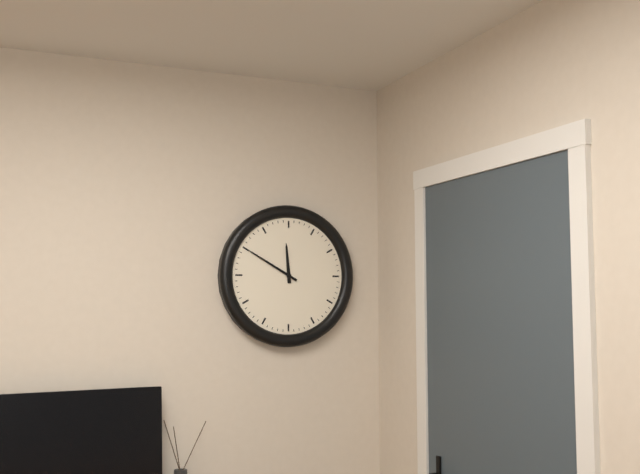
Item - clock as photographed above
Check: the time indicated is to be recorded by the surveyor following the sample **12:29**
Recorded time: **11:50**
